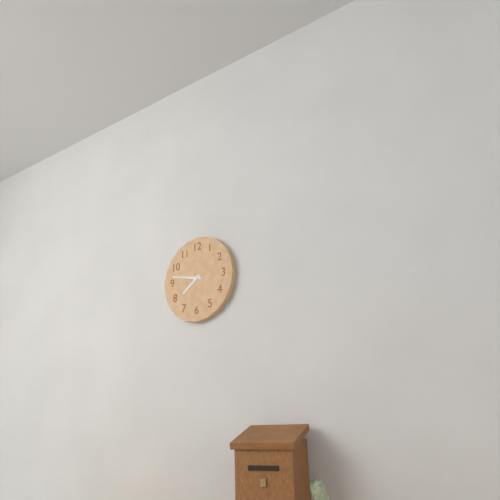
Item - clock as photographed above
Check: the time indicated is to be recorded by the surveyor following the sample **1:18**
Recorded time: **7:47**
